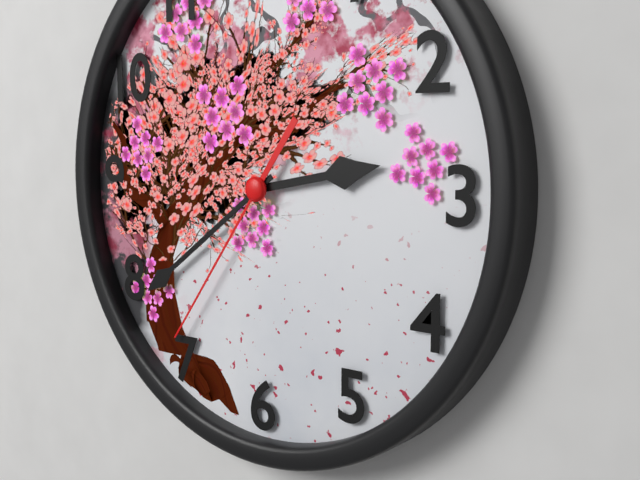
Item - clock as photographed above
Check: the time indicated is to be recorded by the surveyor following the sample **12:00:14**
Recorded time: **2:39:36**
